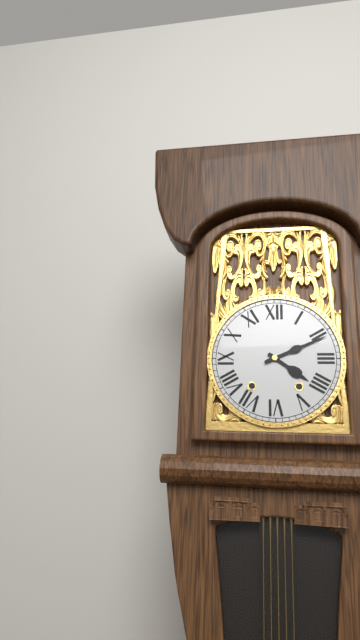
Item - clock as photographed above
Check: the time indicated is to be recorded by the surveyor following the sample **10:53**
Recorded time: **4:11**
